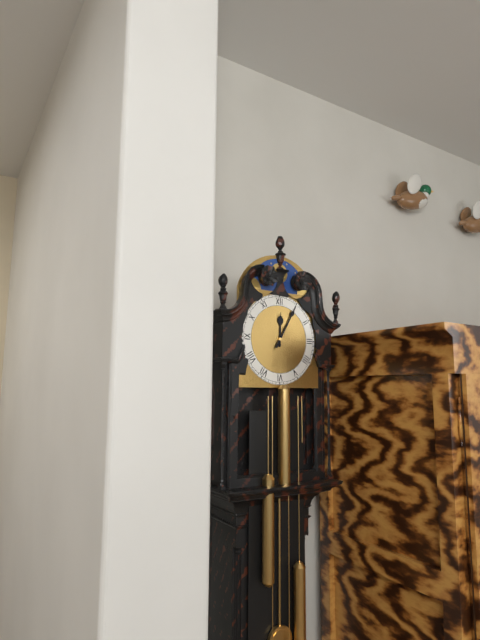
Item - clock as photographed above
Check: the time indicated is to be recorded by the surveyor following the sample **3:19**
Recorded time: **12:05**
